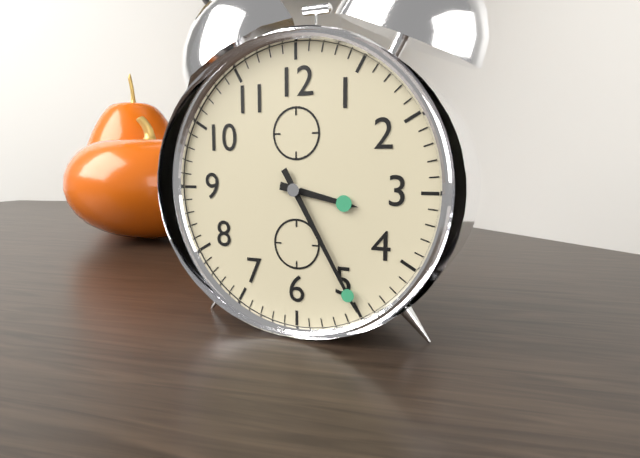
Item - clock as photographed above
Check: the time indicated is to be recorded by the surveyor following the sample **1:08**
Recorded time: **3:25**
